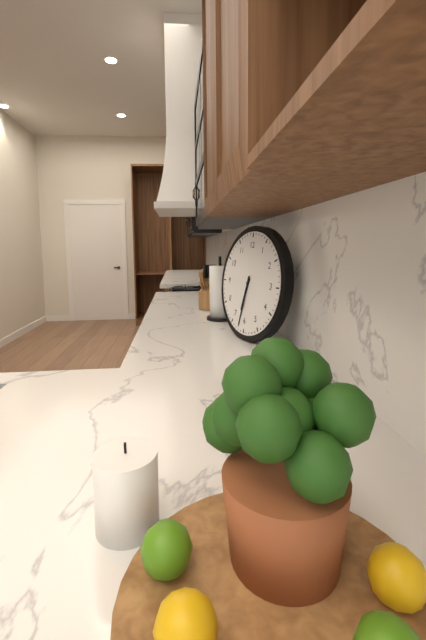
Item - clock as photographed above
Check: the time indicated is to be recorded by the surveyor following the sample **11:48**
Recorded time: **6:32**
